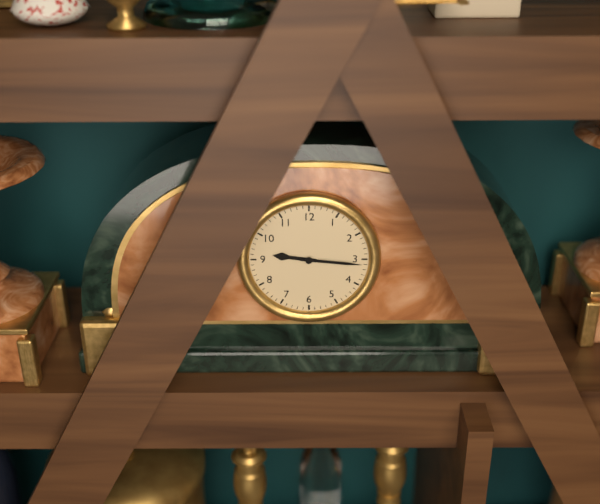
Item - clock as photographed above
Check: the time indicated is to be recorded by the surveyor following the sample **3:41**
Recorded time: **9:16**
